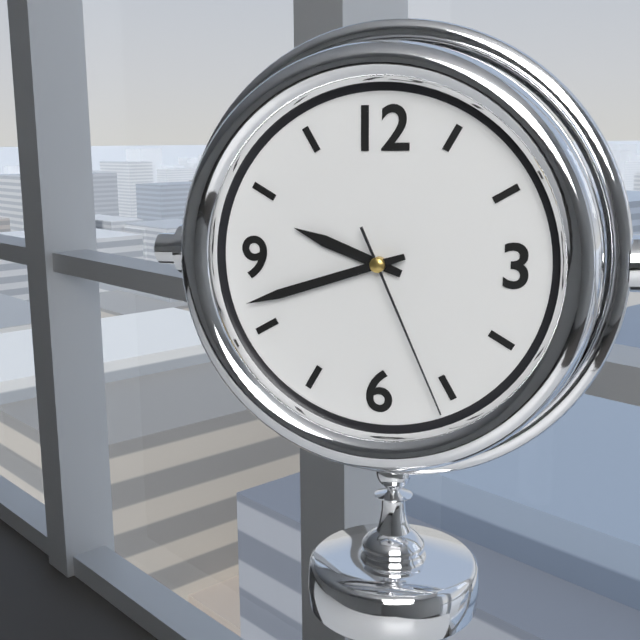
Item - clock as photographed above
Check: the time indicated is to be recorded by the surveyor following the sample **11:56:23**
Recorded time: **9:42:26**
